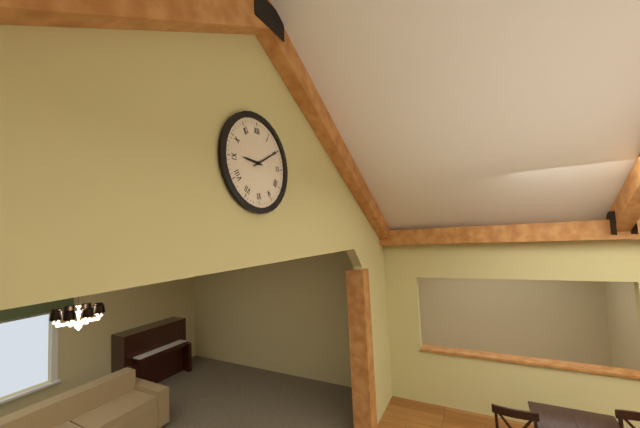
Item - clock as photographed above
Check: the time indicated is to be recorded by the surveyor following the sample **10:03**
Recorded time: **9:10**
